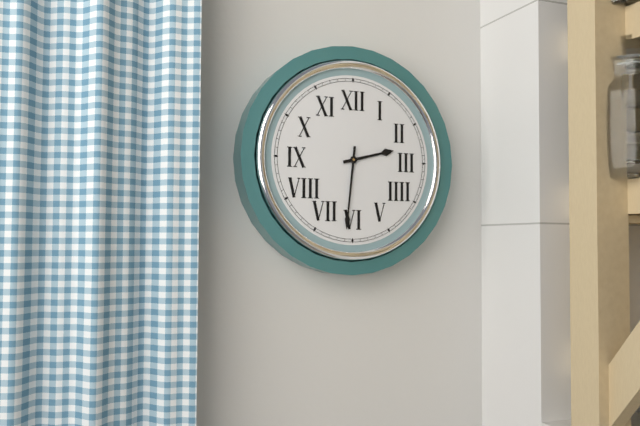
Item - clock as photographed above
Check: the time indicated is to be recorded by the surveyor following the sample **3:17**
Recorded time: **2:31**
